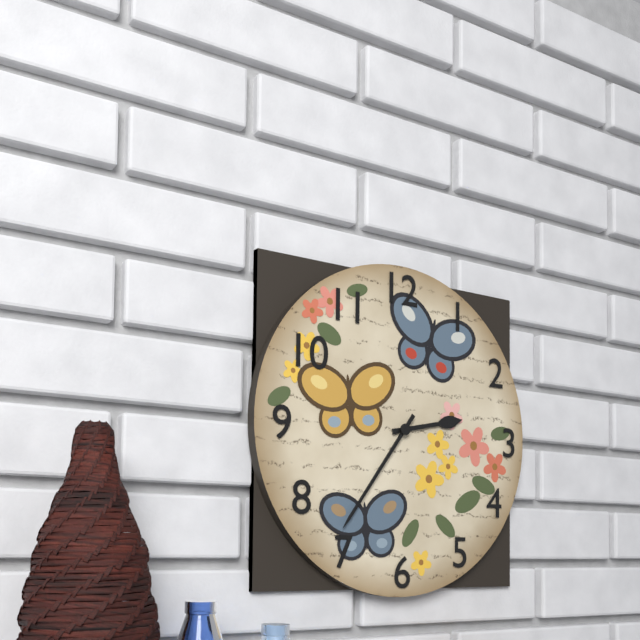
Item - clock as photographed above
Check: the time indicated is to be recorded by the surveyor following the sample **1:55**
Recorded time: **2:36**
